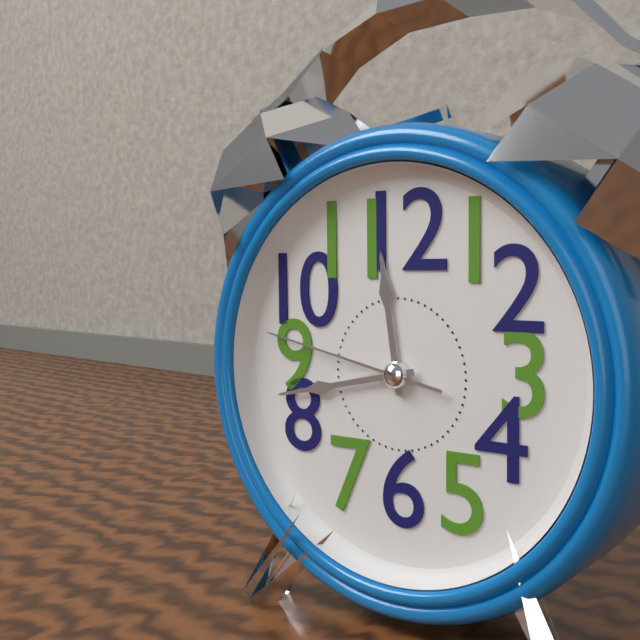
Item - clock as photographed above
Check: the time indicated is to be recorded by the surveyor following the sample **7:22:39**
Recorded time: **11:43:47**
